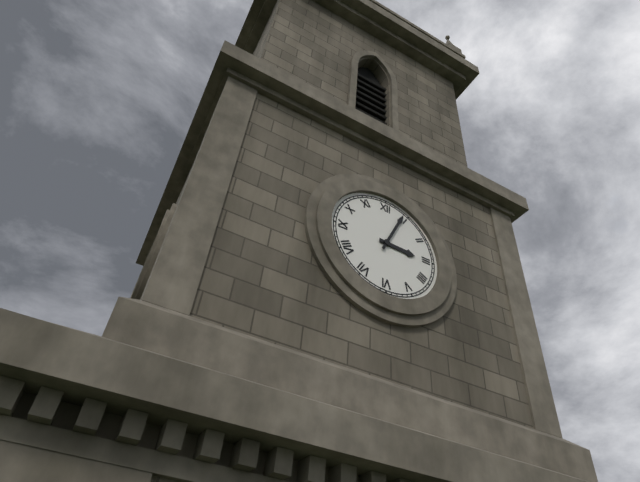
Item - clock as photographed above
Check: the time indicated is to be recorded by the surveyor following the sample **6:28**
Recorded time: **3:04**
